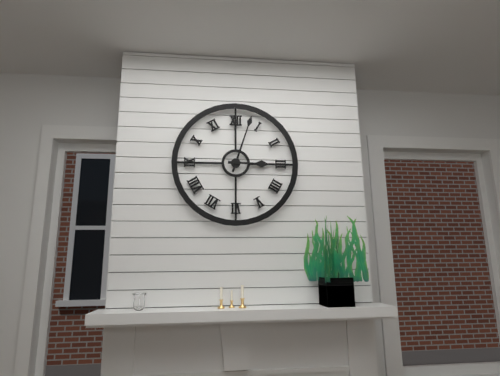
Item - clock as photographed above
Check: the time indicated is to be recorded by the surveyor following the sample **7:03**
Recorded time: **3:03**
